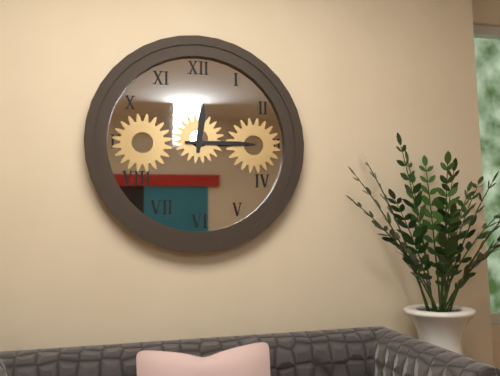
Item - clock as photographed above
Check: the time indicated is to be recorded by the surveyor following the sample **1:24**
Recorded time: **12:15**
